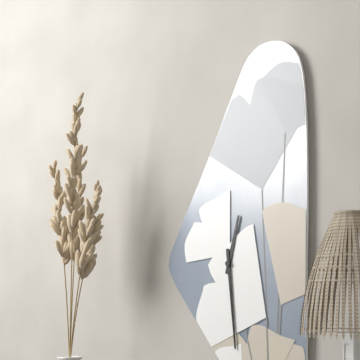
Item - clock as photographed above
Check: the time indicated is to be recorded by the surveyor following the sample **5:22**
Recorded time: **12:29**
